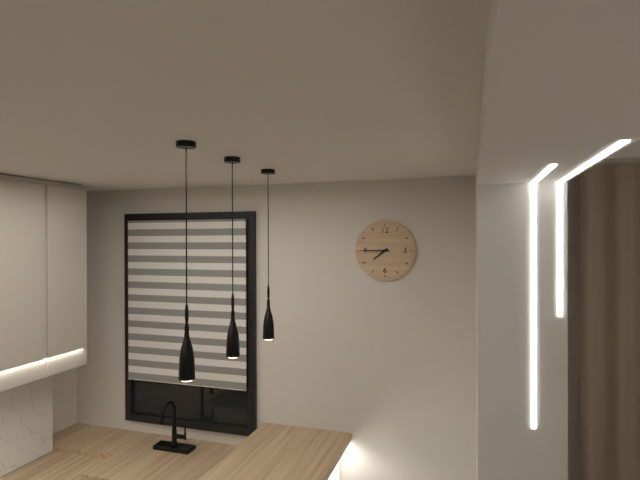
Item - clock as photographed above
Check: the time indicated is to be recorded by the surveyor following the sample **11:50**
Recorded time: **7:45**
